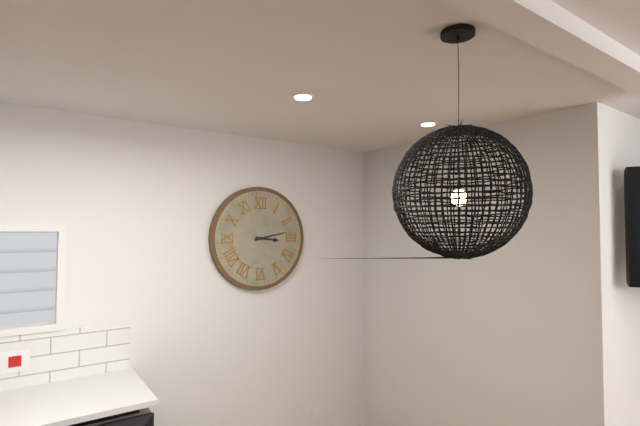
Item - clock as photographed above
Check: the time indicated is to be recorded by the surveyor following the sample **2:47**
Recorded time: **3:13**
